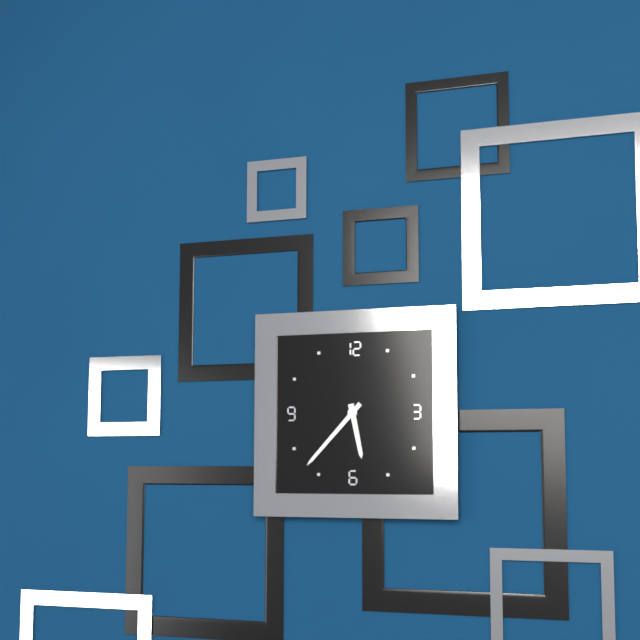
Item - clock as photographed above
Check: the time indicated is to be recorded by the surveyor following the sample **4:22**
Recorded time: **5:37**
